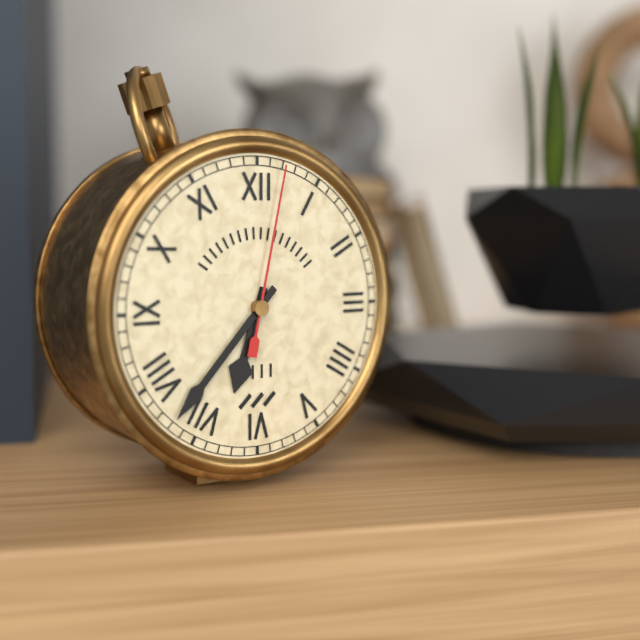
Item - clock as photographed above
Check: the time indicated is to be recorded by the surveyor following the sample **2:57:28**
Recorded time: **6:37:02**
